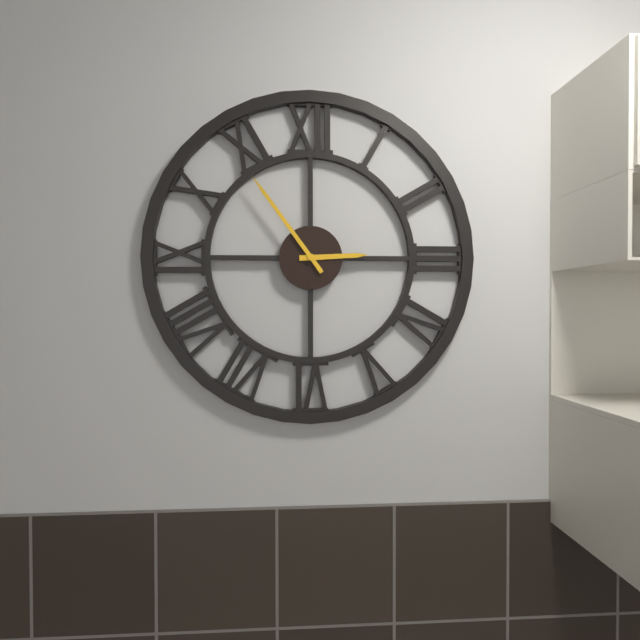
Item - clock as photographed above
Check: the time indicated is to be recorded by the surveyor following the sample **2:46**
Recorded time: **2:54**
